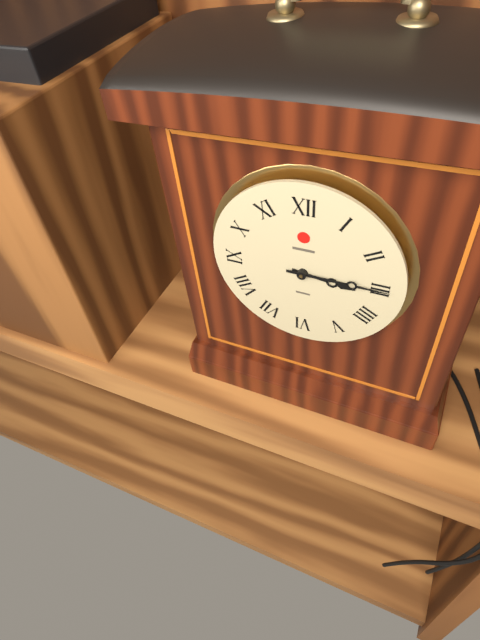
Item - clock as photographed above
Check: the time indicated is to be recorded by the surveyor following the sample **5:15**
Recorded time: **3:15**
